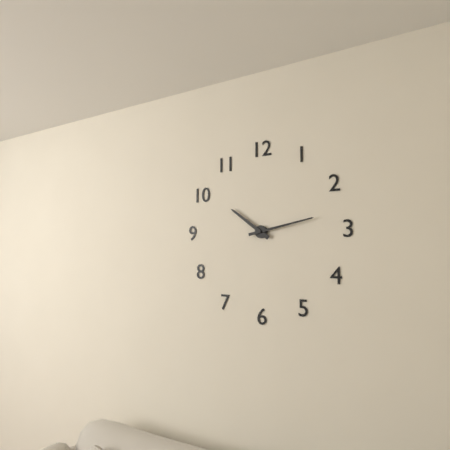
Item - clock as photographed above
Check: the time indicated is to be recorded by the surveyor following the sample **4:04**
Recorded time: **10:13**
